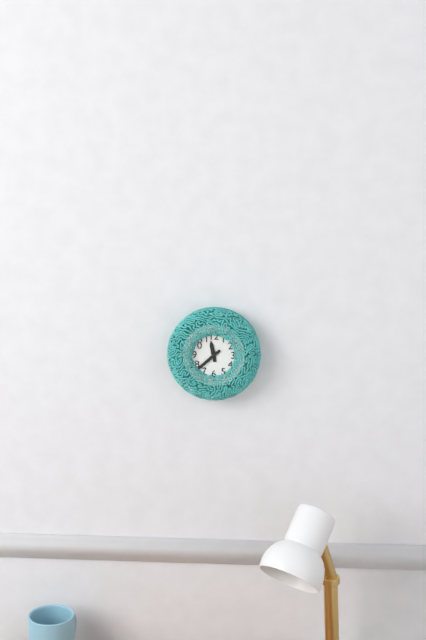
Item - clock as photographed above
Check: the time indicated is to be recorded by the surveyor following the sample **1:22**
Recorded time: **11:38**
